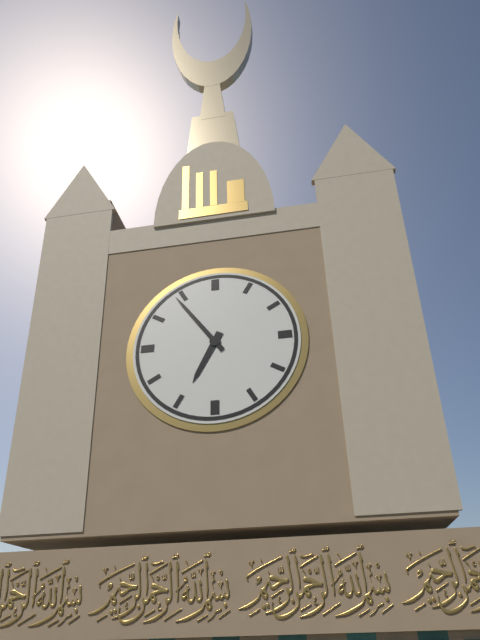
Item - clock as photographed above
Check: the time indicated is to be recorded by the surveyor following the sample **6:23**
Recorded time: **6:54**
